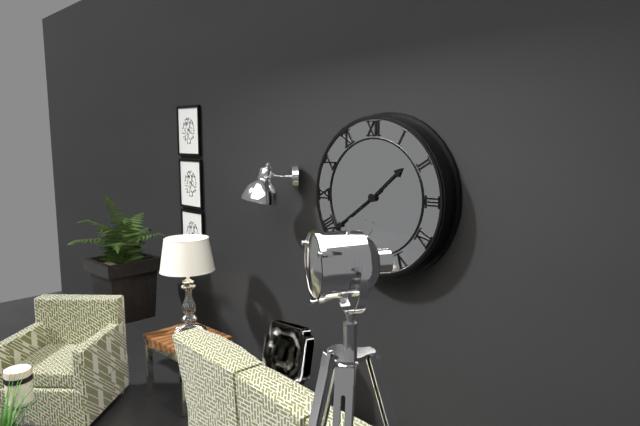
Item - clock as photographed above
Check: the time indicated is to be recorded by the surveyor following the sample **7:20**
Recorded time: **1:39**
